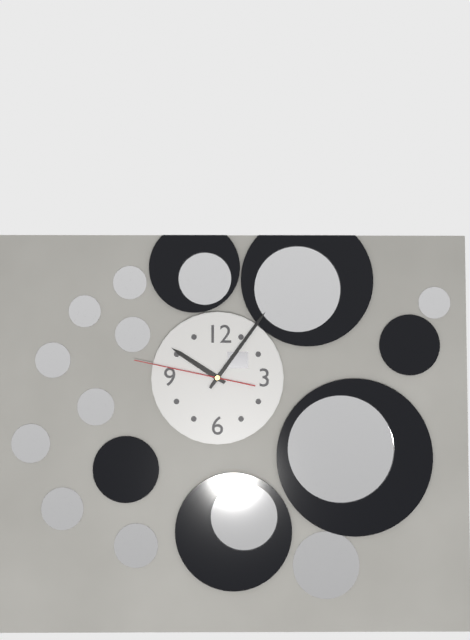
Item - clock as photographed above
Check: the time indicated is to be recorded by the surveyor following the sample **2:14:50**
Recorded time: **10:06:47**
